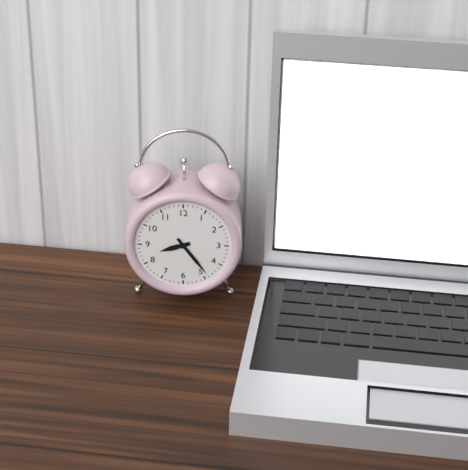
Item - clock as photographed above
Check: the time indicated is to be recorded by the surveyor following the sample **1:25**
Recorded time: **8:24**
